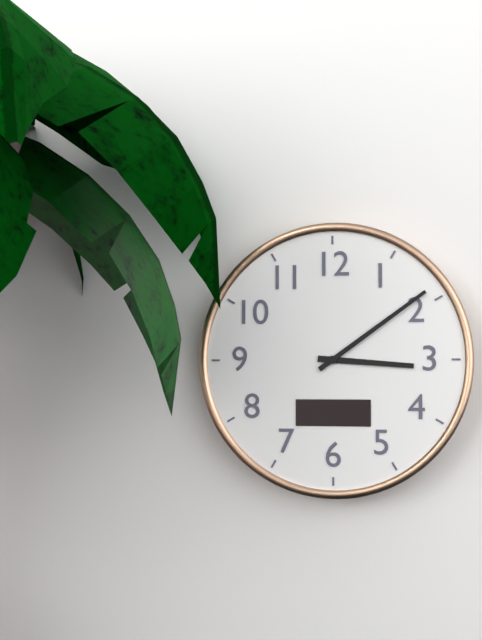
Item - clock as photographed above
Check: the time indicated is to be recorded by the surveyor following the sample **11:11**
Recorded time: **3:09**
